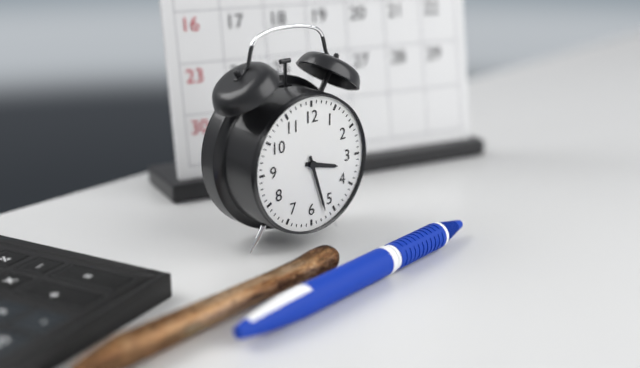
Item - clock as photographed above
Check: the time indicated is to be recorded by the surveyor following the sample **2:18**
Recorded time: **3:27**
